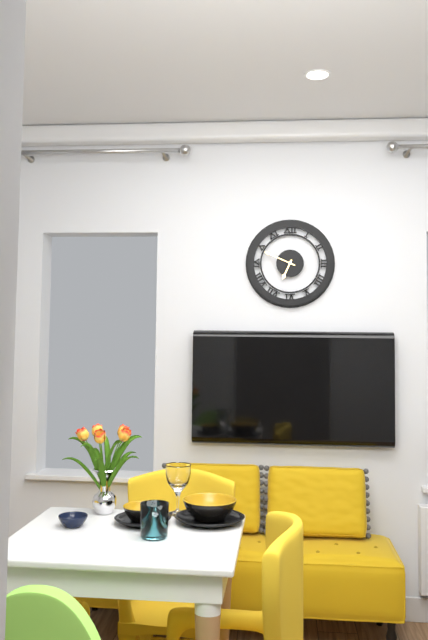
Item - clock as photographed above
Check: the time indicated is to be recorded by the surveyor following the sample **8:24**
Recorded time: **6:49**
